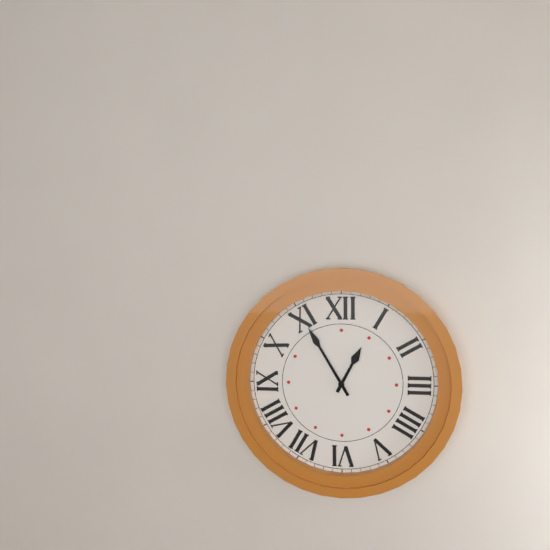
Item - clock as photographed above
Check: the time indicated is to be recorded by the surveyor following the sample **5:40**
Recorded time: **12:55**
